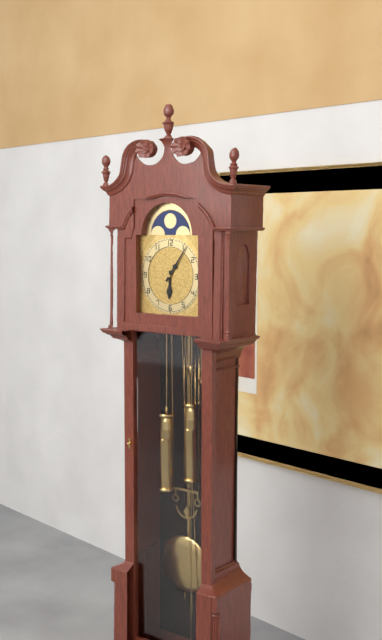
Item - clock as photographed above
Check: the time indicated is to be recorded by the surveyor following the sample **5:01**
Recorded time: **6:06**
